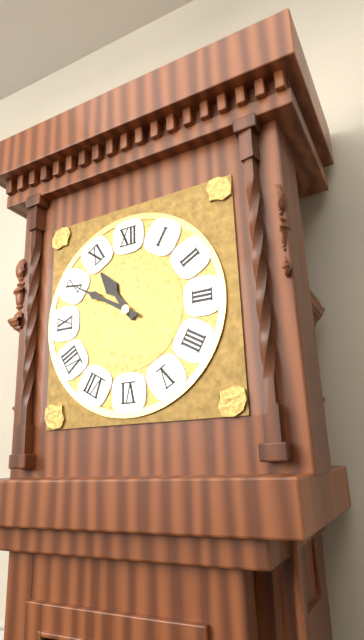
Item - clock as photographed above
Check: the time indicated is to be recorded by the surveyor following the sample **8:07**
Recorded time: **10:50**
